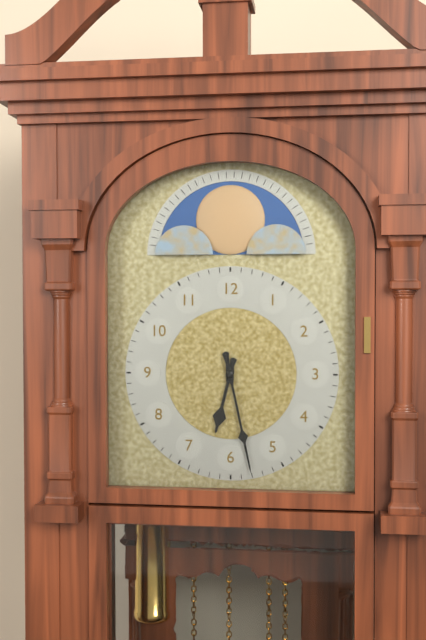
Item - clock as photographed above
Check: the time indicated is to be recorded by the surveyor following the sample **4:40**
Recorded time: **6:28**
